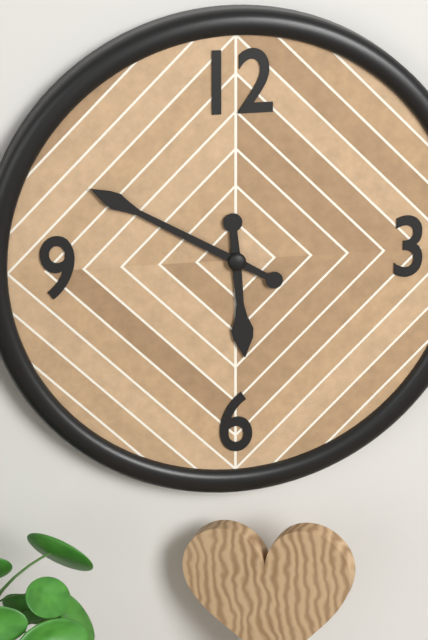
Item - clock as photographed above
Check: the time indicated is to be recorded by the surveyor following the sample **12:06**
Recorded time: **5:50**
